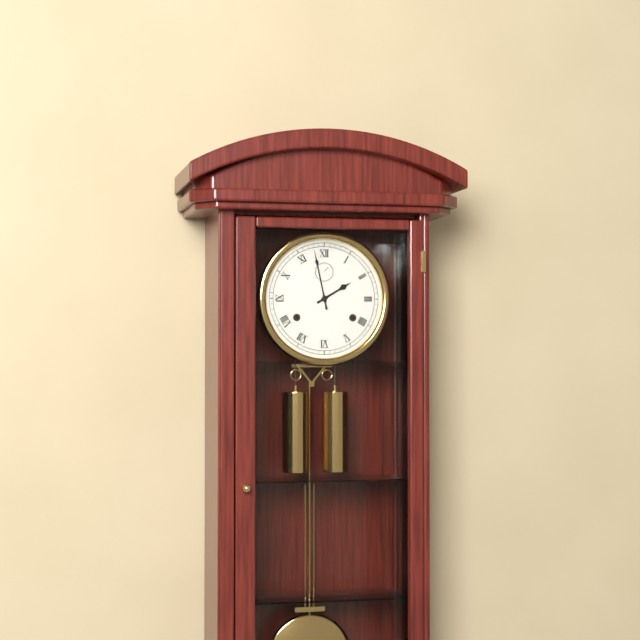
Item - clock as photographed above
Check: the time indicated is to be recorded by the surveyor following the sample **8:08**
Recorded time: **1:58**
